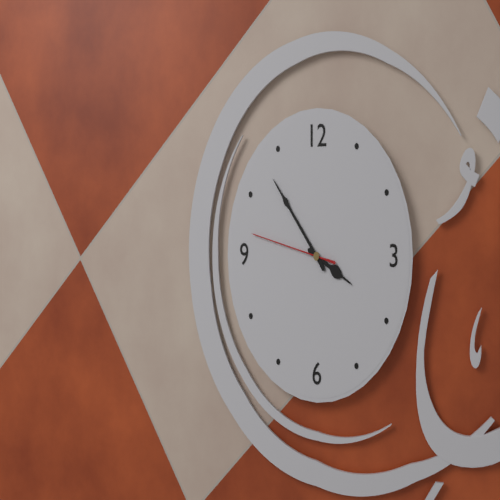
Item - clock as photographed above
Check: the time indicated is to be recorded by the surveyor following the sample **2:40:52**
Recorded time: **3:53:47**
